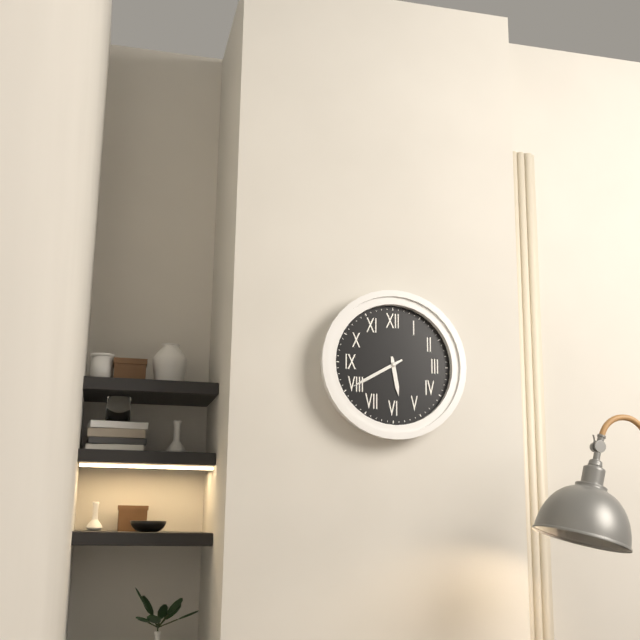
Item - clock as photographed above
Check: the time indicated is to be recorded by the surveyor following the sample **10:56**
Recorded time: **5:40**
